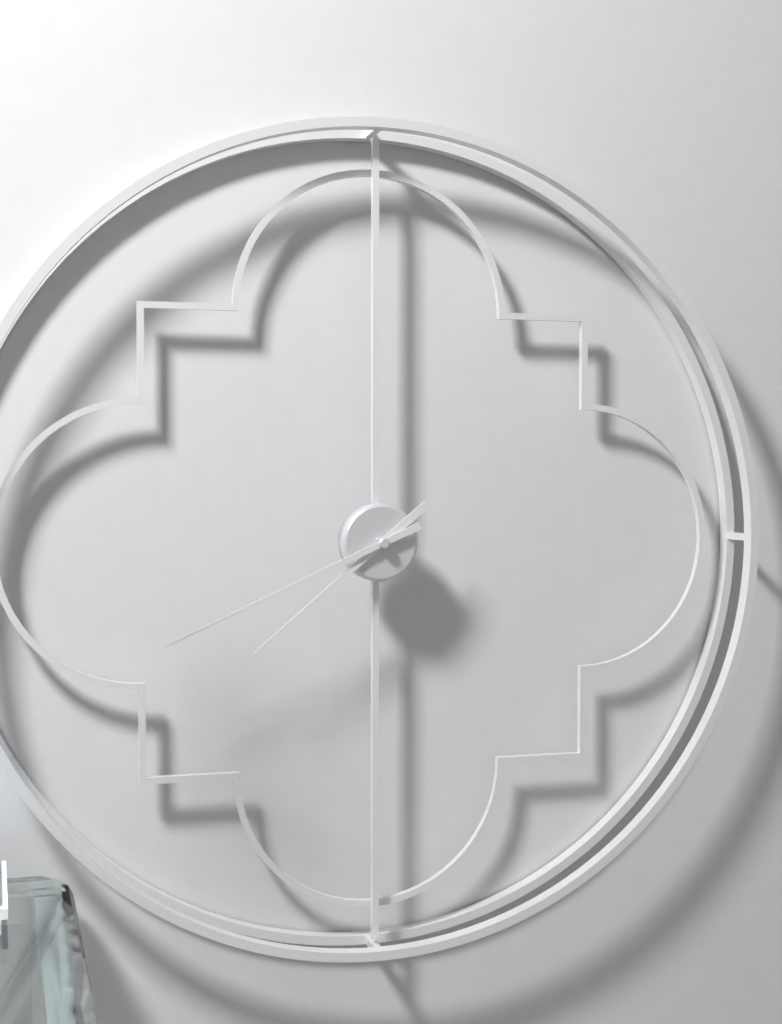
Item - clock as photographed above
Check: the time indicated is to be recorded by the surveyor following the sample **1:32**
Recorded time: **7:41**
